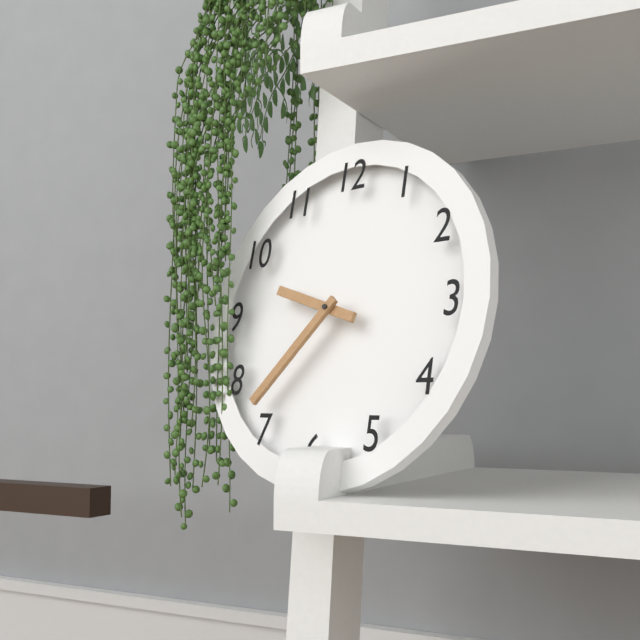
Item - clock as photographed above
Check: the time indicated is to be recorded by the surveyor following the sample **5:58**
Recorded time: **9:37**
